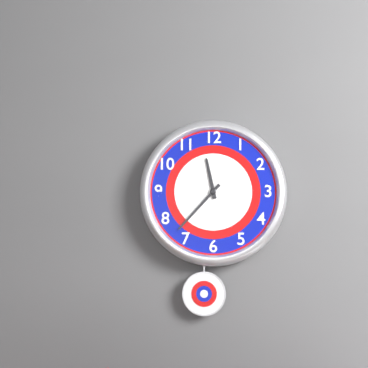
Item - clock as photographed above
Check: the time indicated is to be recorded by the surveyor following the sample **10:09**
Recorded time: **11:37**
